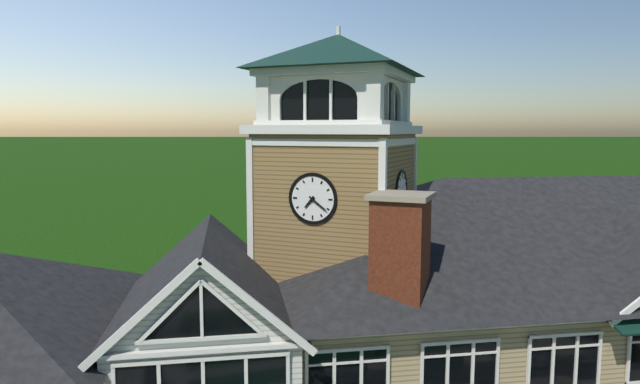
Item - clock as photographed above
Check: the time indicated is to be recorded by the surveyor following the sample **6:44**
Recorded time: **7:21**
